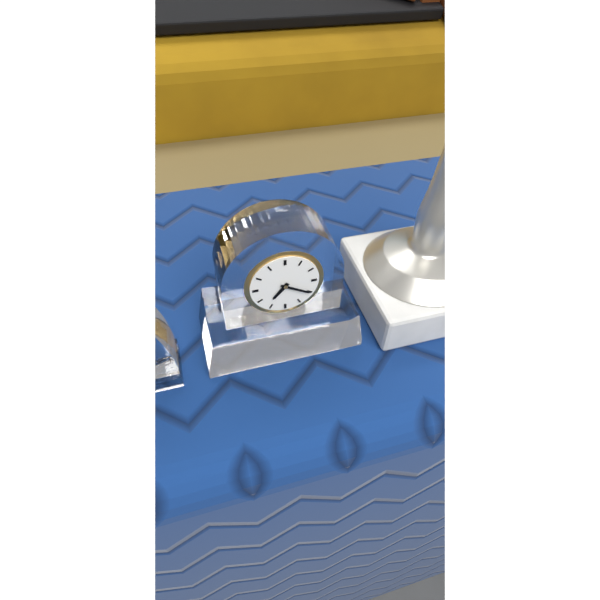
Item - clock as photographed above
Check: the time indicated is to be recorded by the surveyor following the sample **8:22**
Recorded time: **7:20**
